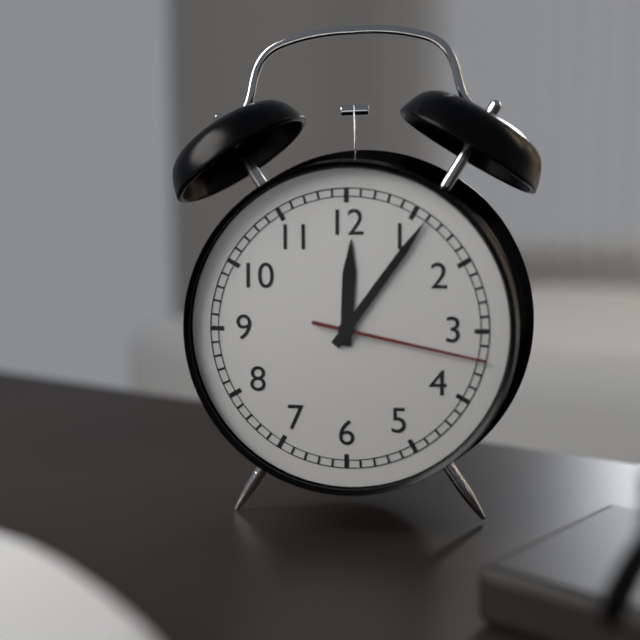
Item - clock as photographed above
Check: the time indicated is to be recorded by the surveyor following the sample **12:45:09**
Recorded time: **12:06:17**
